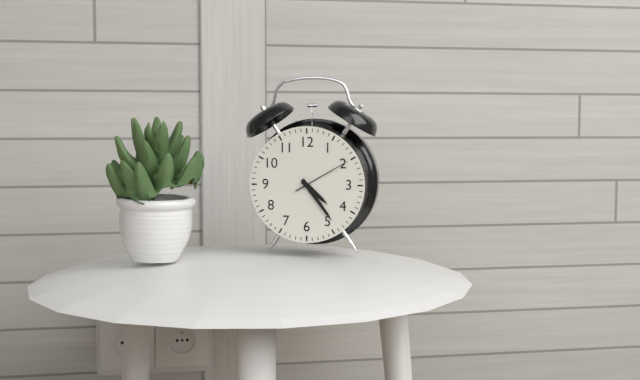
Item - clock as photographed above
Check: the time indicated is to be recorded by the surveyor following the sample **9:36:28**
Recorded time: **4:24:10**
